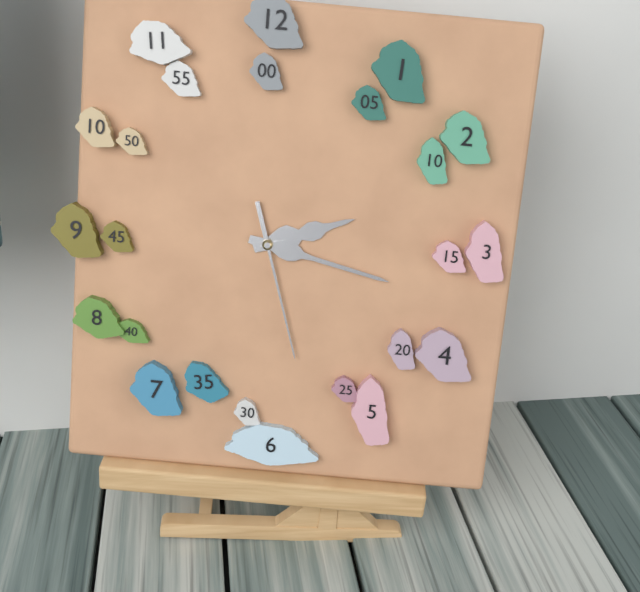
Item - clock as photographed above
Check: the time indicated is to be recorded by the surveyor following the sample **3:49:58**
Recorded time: **2:17:27**
